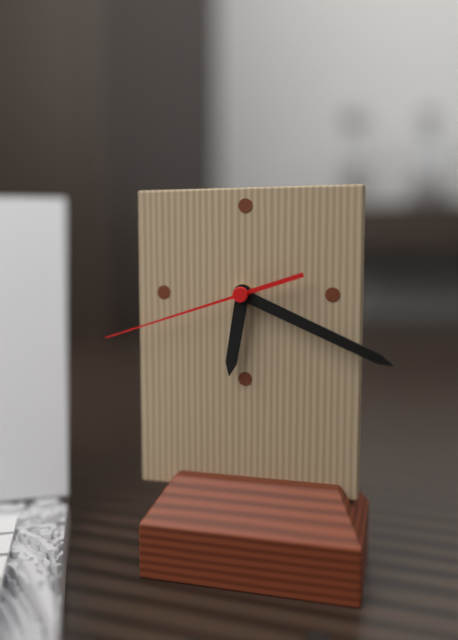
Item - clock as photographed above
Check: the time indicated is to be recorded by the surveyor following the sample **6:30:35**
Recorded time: **6:19:42**
